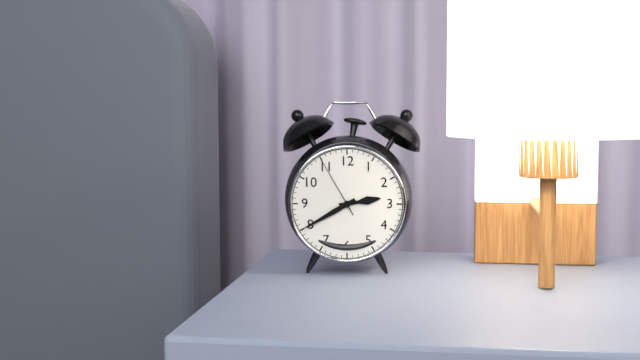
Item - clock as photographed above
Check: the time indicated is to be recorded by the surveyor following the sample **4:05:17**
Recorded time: **2:40:55**
